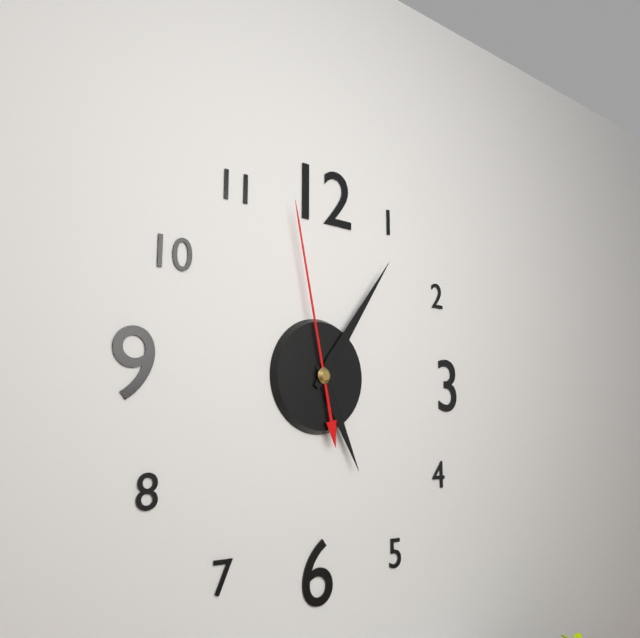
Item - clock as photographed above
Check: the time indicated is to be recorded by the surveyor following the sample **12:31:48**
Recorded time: **5:06:58**
